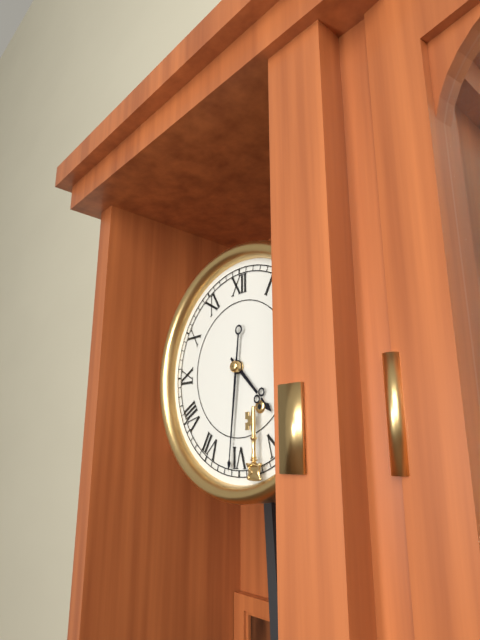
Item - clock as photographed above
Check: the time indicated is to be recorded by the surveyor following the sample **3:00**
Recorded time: **4:31**
